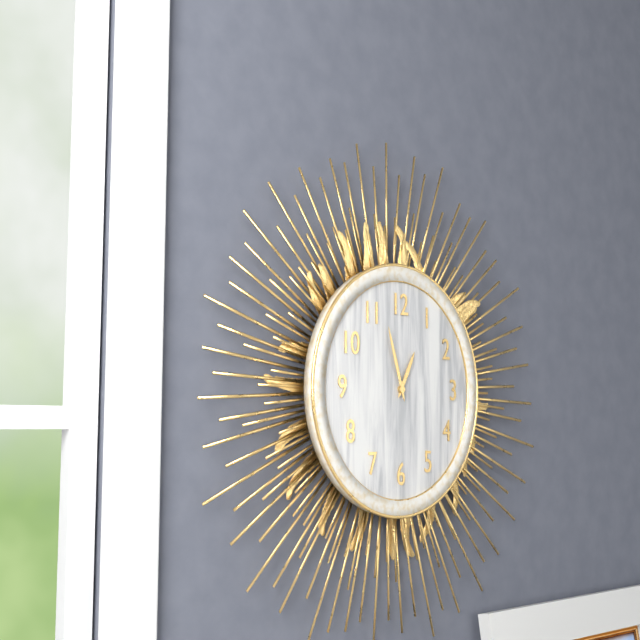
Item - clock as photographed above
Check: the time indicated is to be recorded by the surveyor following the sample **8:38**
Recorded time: **12:57**
